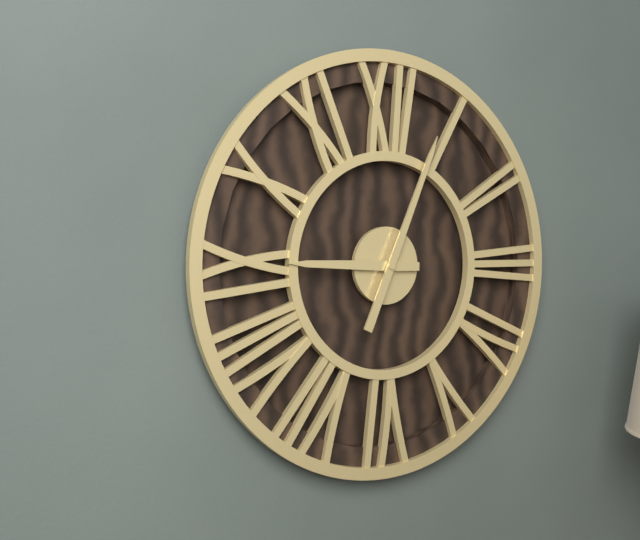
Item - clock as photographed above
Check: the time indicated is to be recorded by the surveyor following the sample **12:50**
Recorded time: **9:04**
